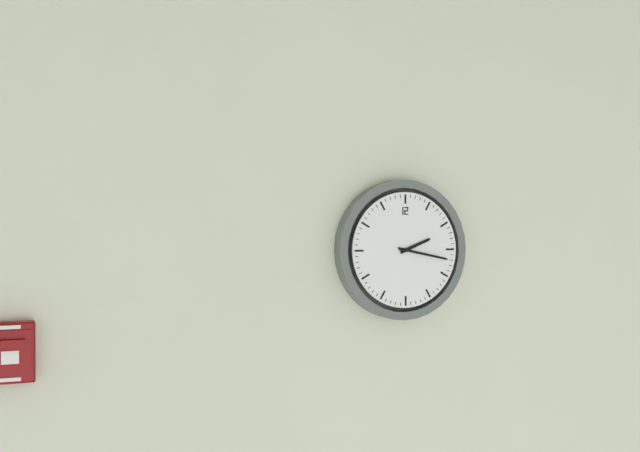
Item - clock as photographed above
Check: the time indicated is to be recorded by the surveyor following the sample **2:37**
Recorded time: **2:17**
